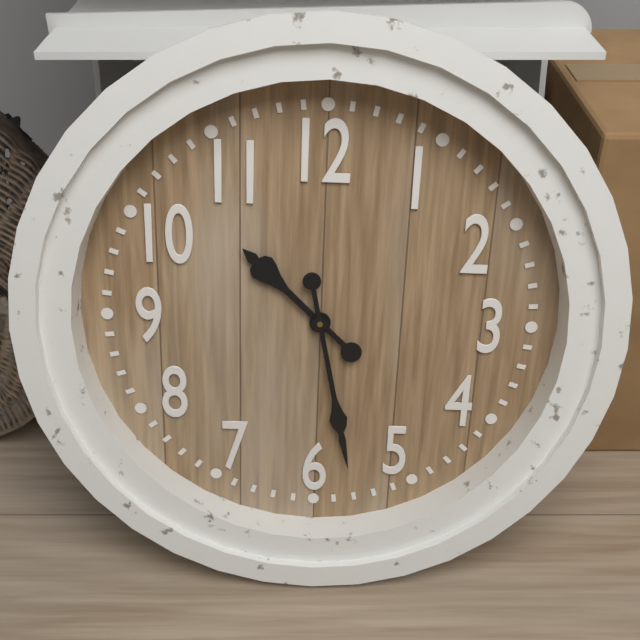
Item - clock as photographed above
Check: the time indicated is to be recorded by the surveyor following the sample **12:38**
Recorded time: **10:28**
